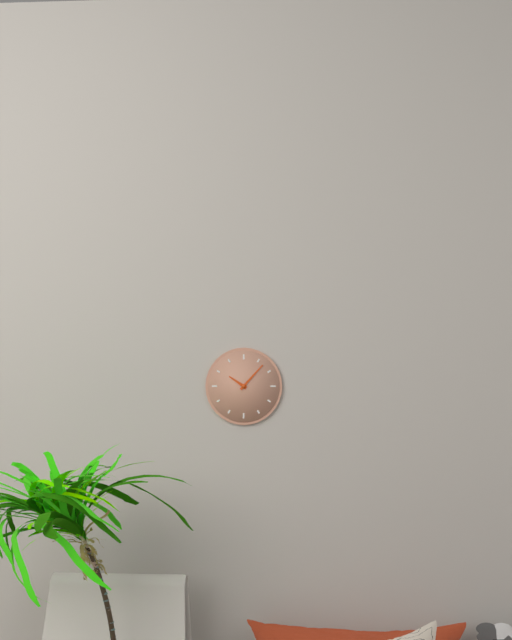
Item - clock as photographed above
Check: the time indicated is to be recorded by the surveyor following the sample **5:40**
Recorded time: **10:07**
